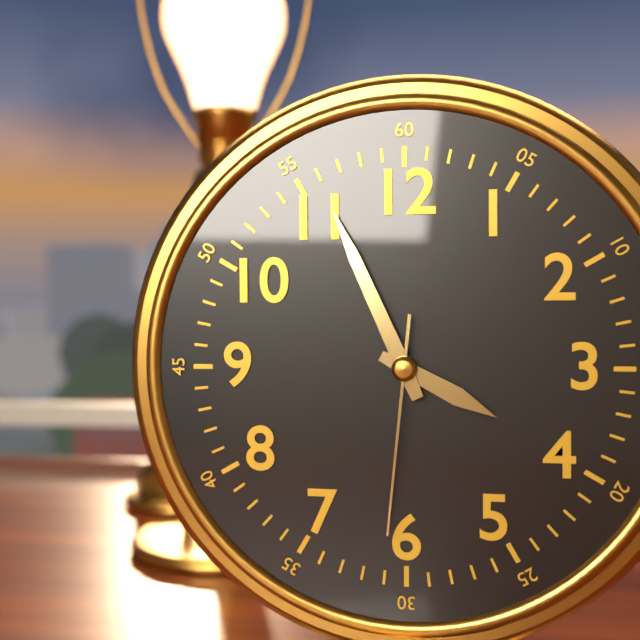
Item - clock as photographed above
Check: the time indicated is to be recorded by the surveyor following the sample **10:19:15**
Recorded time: **3:56:31**
